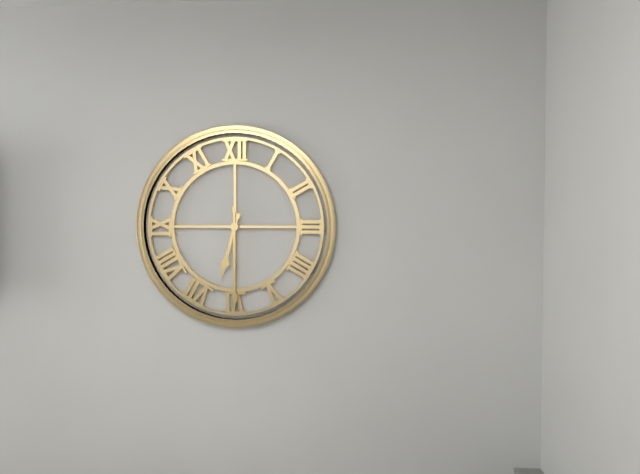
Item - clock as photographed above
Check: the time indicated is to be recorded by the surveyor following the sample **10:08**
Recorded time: **6:30**
